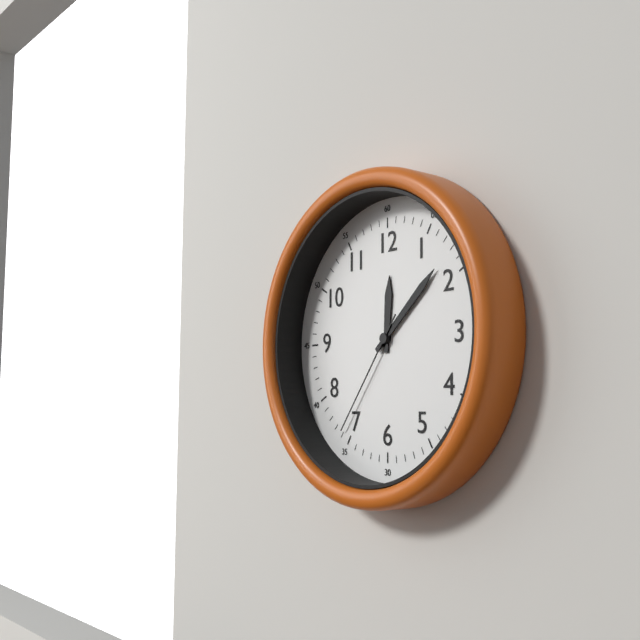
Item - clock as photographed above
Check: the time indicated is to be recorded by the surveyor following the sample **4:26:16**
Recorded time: **12:08:36**
